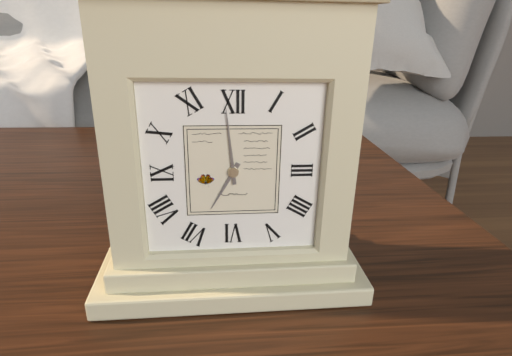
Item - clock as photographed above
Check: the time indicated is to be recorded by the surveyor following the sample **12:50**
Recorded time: **6:59**
